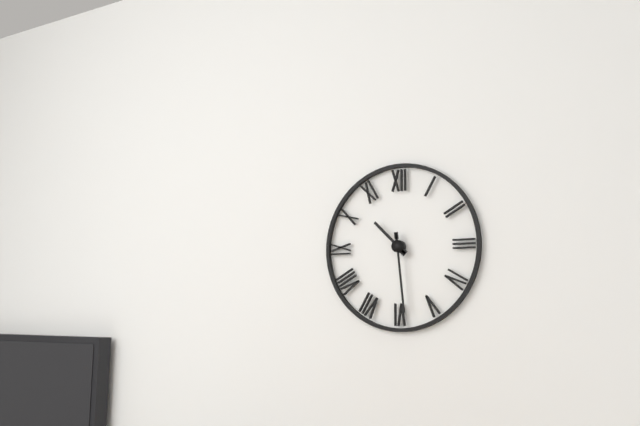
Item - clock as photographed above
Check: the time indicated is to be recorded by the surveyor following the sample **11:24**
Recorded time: **10:29**
